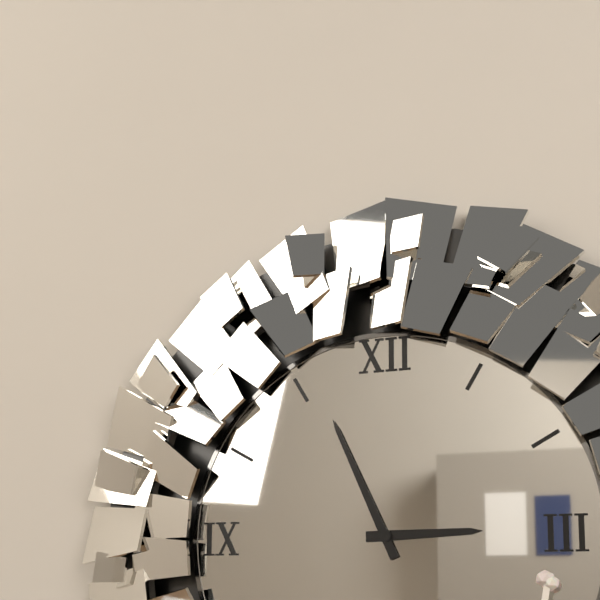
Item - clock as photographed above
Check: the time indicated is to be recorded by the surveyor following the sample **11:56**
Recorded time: **2:56**
